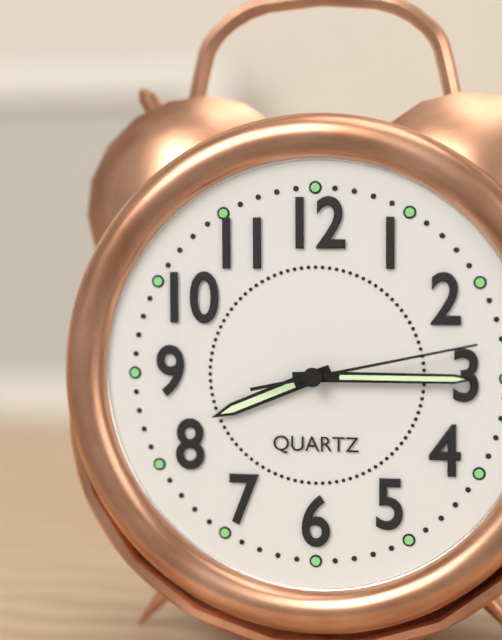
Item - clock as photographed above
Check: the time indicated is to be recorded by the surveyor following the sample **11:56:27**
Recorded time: **8:15:13**
